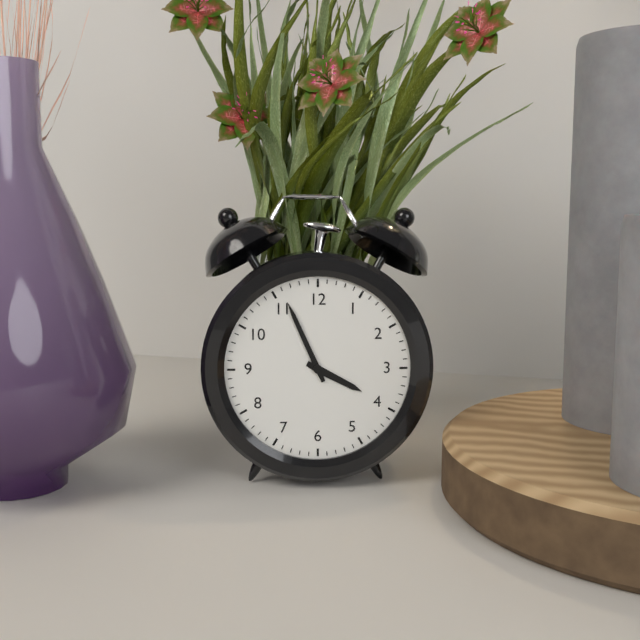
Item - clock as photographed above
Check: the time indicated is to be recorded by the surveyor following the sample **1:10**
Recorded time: **3:56**
